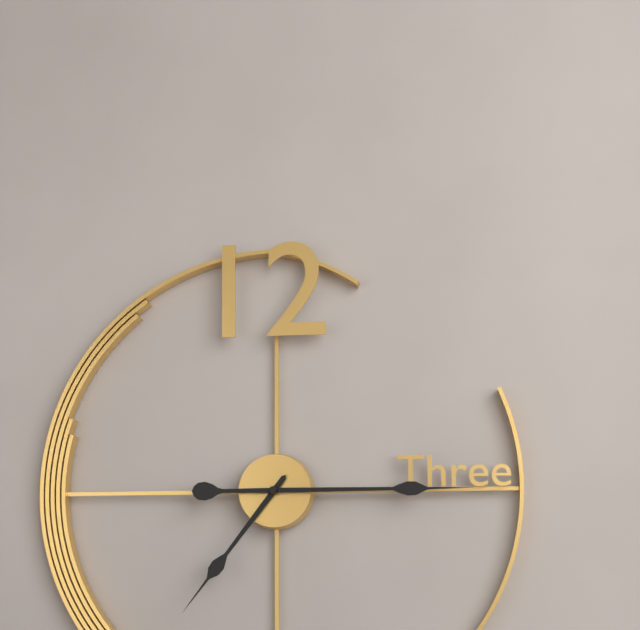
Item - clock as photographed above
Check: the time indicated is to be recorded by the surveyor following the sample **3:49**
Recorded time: **7:15**
